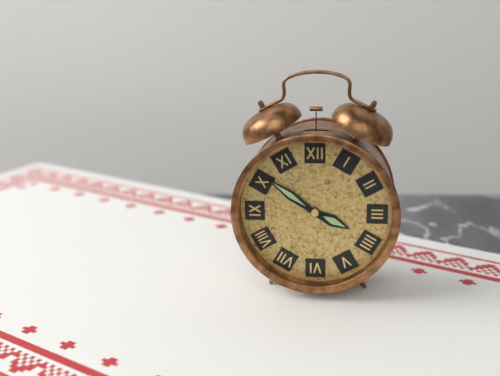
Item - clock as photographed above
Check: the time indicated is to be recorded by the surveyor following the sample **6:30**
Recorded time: **3:51**
